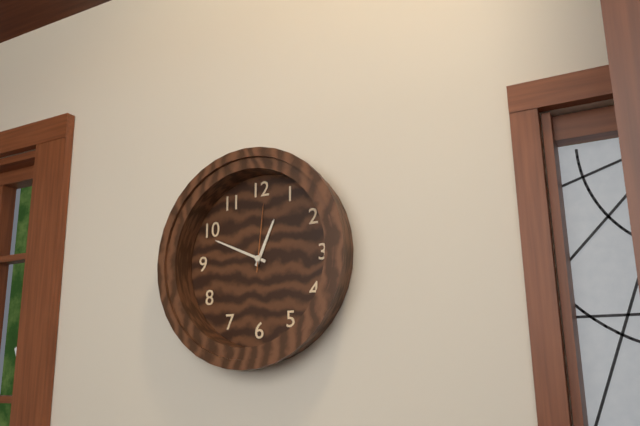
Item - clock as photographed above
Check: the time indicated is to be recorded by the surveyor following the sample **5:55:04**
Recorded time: **12:49:01**
